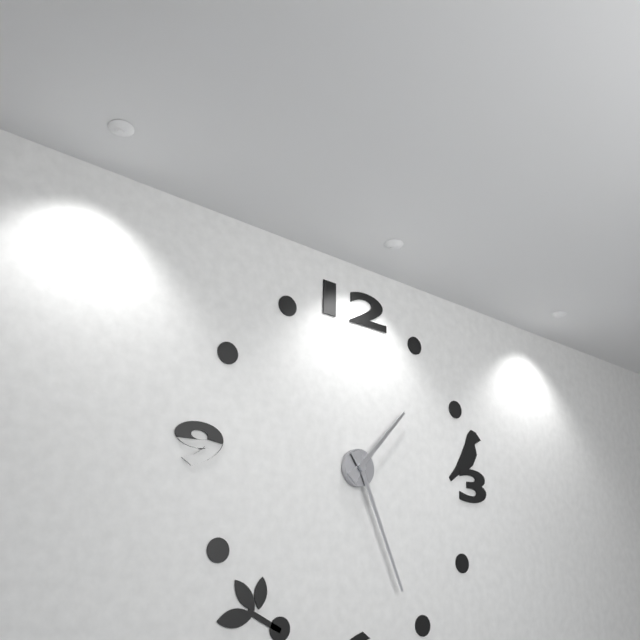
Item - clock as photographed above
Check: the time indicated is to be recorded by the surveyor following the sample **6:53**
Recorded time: **1:26**
